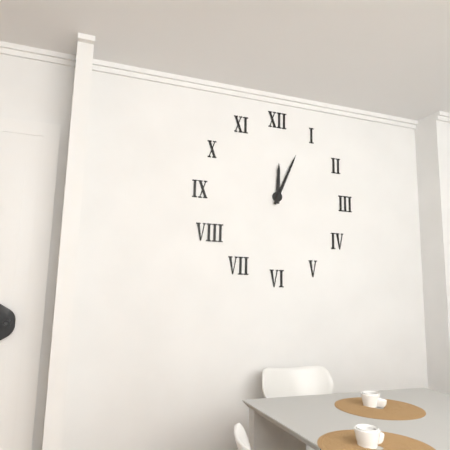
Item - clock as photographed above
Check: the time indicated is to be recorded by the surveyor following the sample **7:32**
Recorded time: **12:04**
